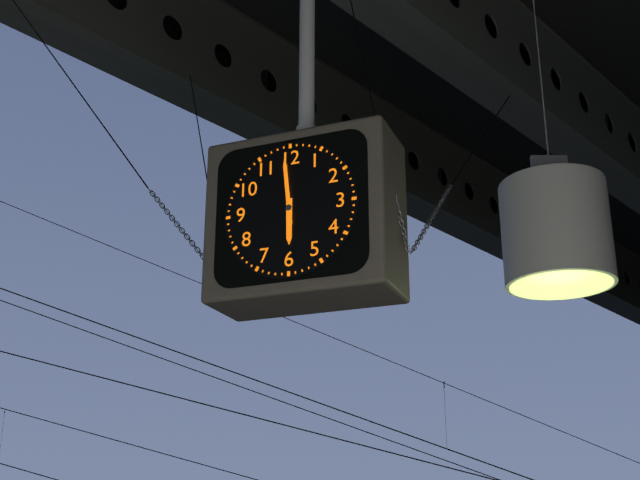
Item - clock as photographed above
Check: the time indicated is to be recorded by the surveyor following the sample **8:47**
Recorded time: **5:59**
